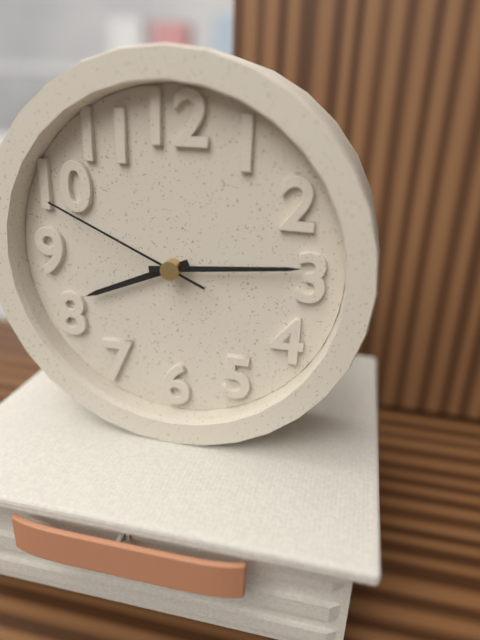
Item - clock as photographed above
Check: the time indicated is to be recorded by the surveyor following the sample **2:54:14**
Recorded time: **8:14:49**
